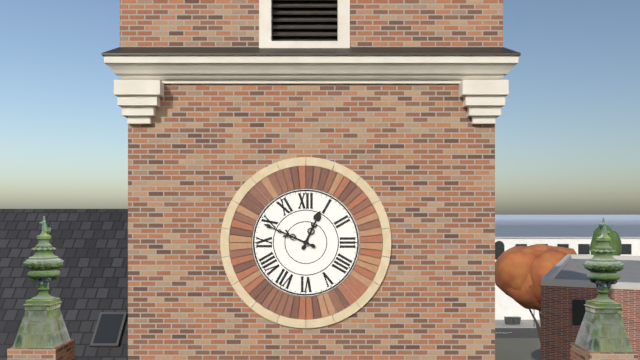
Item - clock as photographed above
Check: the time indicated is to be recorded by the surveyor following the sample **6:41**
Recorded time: **12:49**
